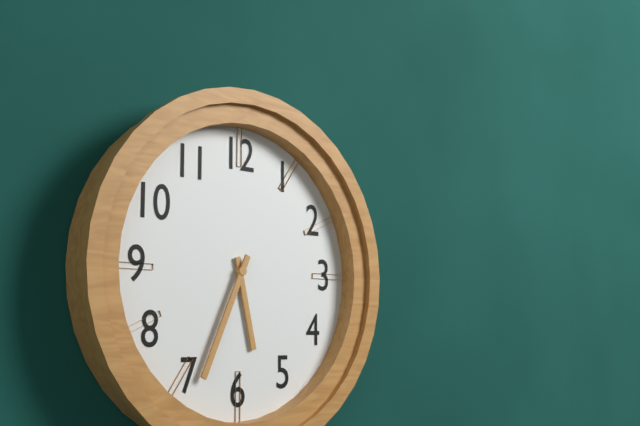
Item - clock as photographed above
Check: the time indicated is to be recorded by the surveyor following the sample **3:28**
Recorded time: **5:34**
